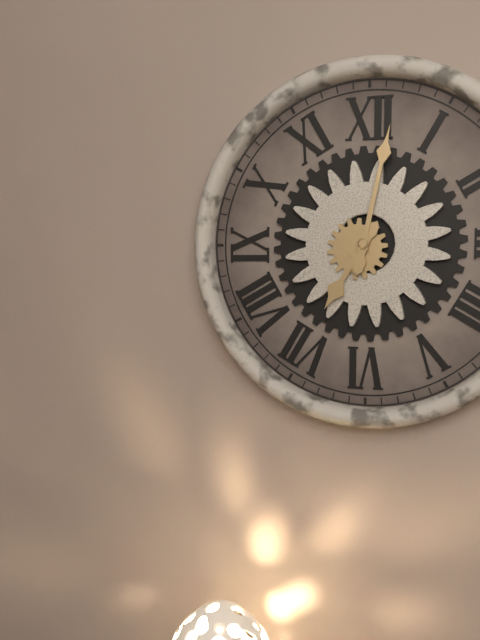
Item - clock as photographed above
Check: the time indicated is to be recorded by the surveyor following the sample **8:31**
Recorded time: **7:02**
